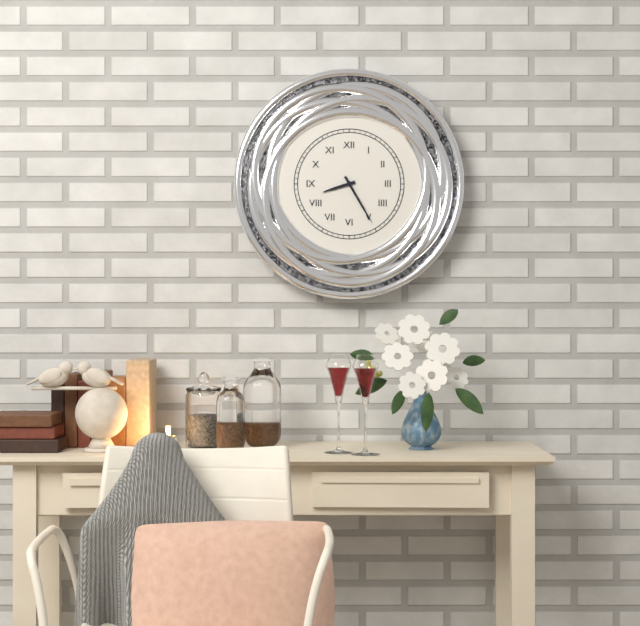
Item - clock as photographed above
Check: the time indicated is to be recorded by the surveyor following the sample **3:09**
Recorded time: **8:25**
